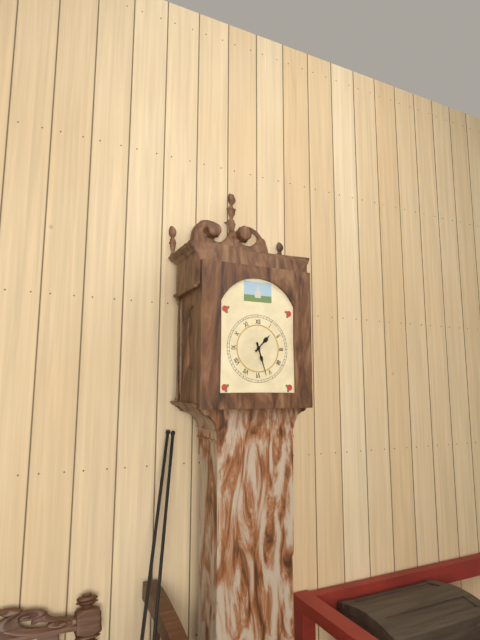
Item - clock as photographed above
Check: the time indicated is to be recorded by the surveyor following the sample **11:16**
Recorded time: **1:27**
